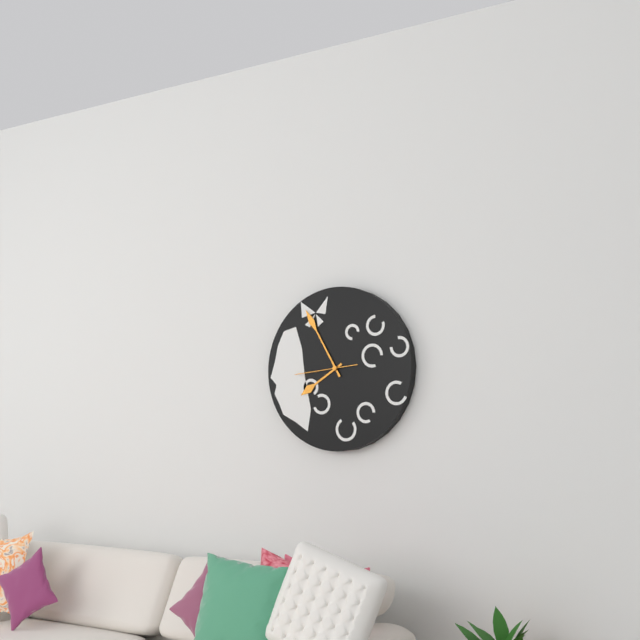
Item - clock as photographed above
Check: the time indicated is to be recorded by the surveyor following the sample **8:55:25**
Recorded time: **7:55:44**
